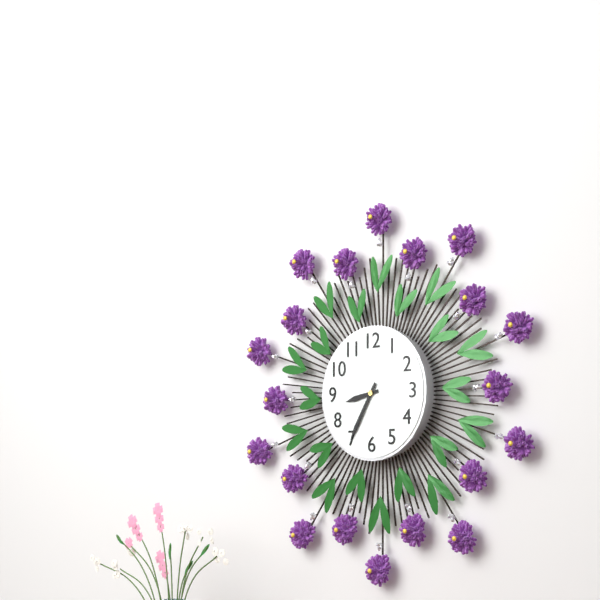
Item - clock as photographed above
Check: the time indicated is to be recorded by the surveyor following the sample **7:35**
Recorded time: **8:35**
